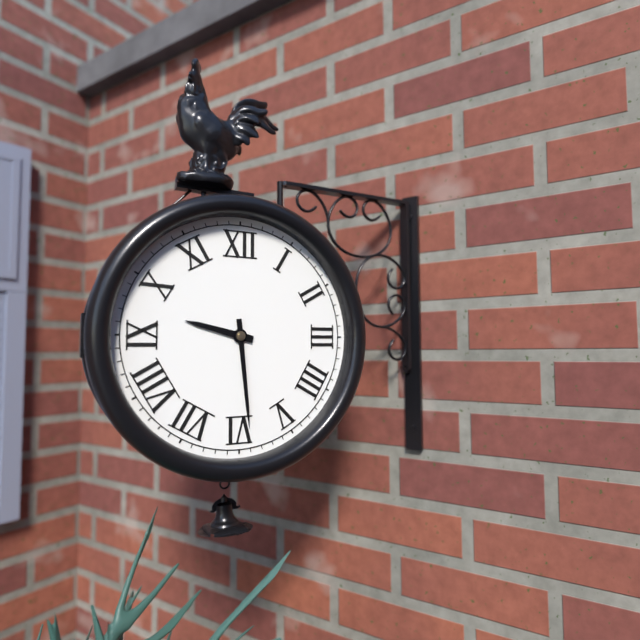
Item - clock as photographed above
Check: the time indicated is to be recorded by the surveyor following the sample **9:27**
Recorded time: **9:29**
